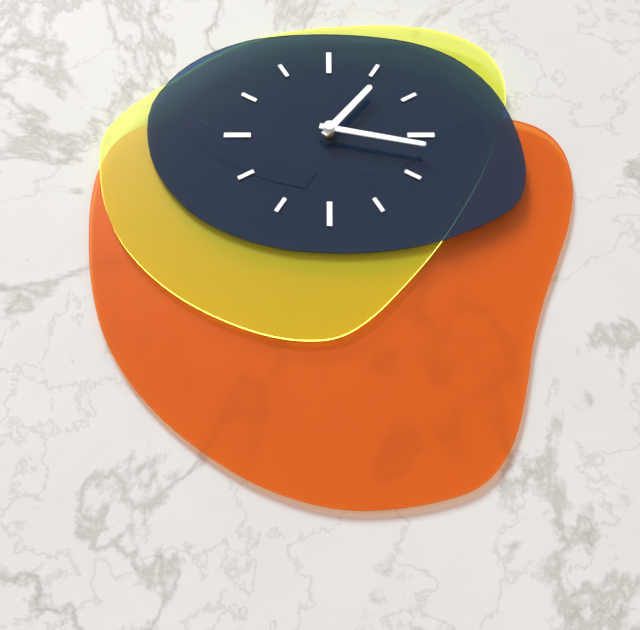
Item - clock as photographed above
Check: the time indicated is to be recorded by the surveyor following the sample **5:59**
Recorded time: **1:17**
